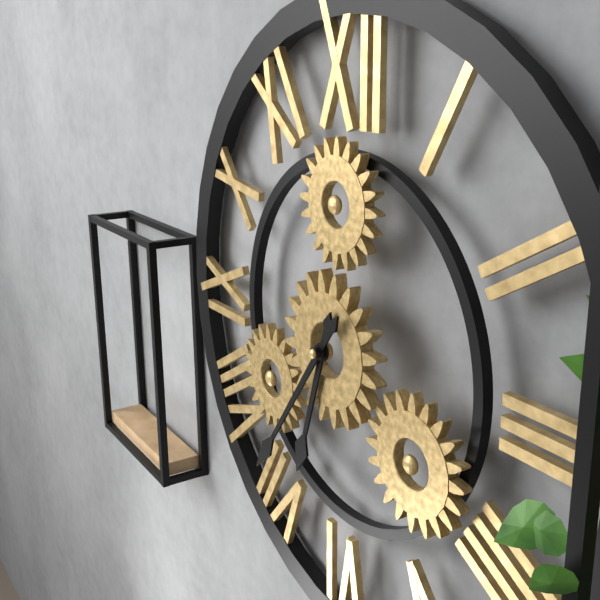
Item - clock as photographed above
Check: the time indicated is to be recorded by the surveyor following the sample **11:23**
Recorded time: **6:36**
